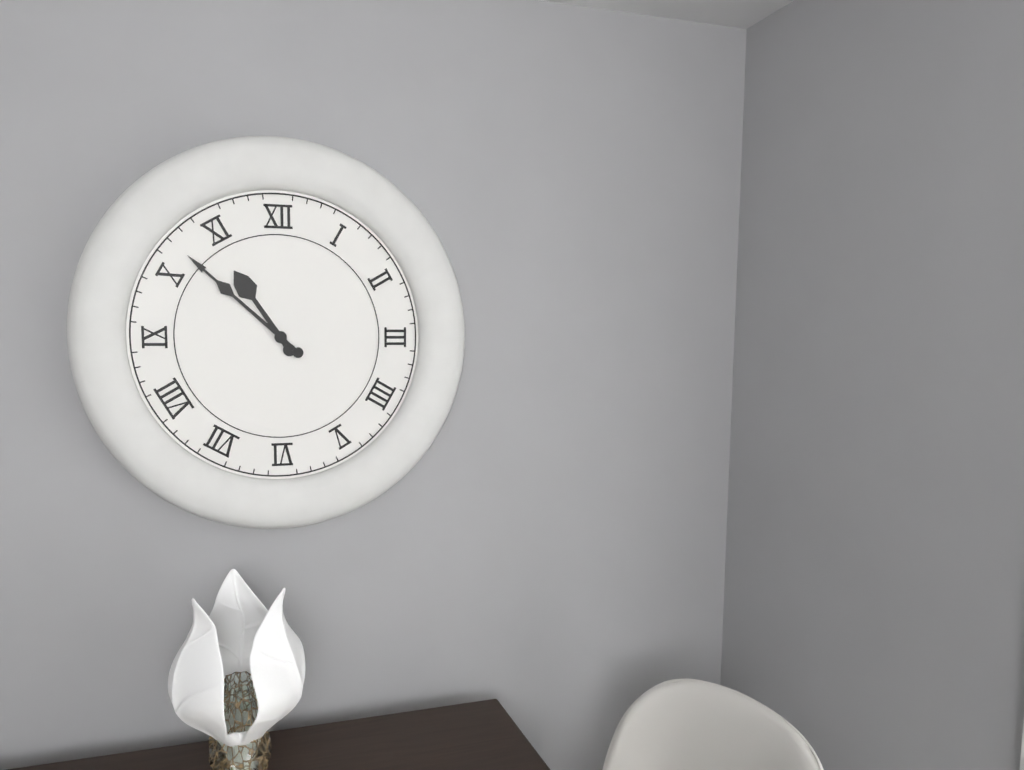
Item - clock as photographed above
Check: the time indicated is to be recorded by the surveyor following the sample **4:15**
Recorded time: **10:52**
